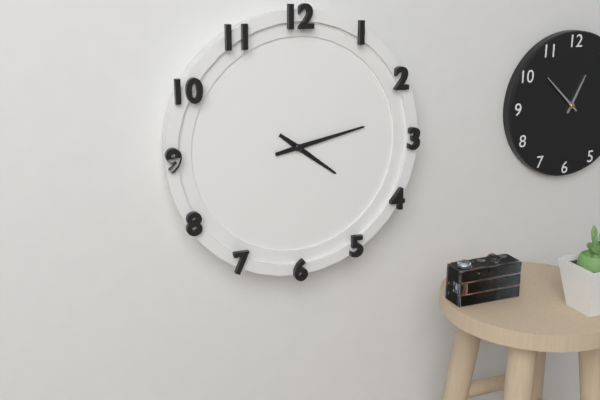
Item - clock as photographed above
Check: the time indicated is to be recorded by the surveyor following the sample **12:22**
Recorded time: **4:13**
